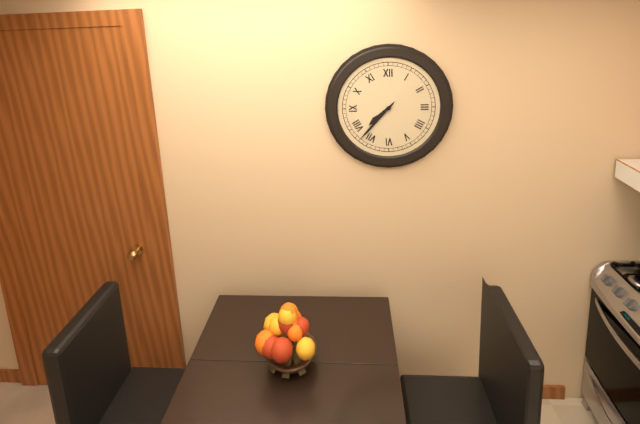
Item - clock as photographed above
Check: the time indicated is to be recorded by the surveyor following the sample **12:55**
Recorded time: **7:37**
